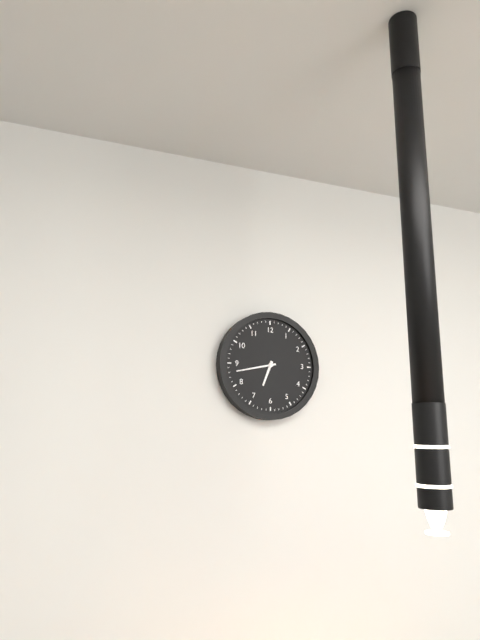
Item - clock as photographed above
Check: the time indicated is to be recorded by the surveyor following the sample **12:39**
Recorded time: **6:43**
